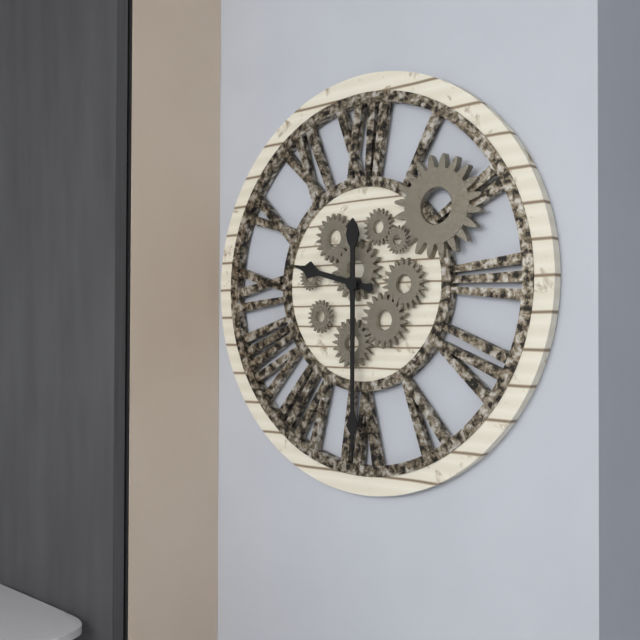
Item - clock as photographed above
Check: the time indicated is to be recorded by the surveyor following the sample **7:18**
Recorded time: **9:30**
